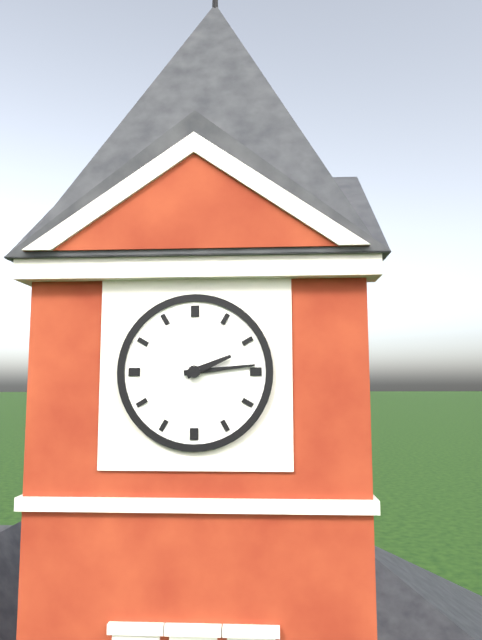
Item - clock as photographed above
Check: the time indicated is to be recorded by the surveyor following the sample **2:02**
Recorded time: **2:14**
